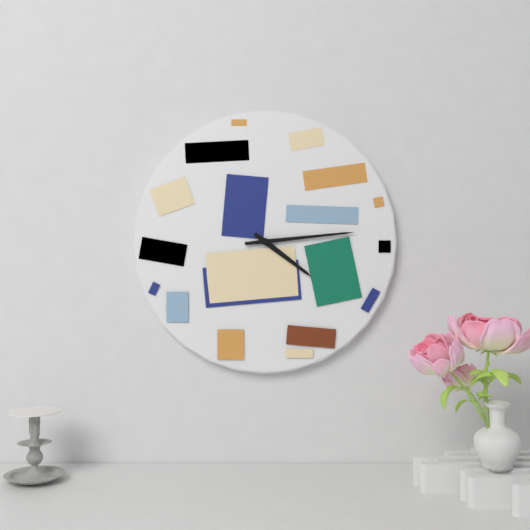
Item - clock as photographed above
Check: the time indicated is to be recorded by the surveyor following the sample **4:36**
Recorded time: **4:14**
